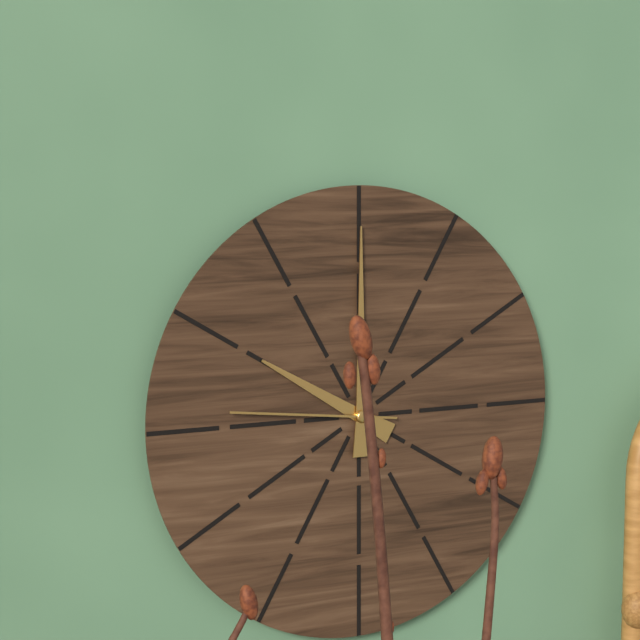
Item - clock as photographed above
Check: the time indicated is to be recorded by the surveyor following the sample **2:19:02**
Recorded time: **10:00:46**
